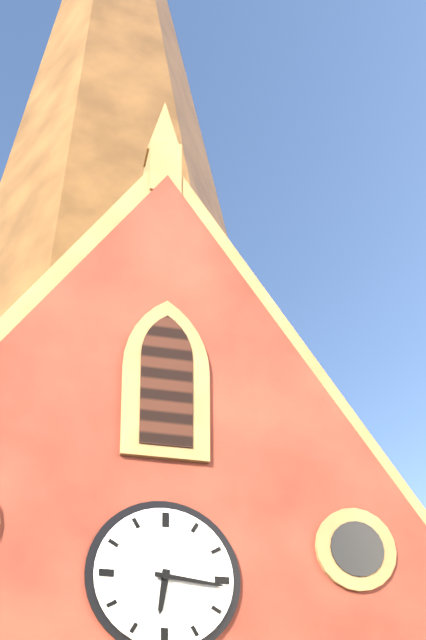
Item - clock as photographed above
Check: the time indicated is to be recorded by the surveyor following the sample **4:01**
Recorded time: **6:16**
